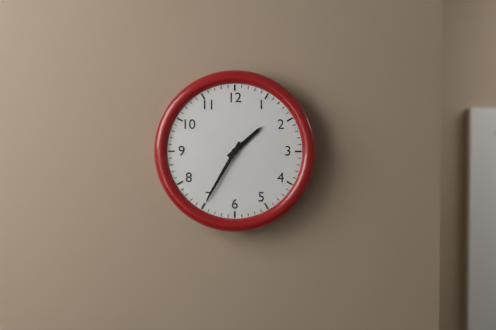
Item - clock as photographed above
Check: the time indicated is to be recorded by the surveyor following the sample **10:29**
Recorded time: **1:35**
